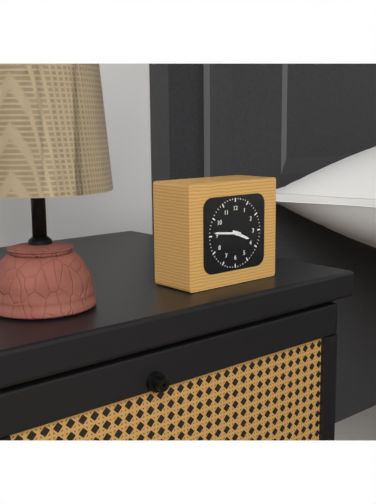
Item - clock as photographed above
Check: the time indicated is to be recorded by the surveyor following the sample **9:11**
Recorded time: **3:46**
